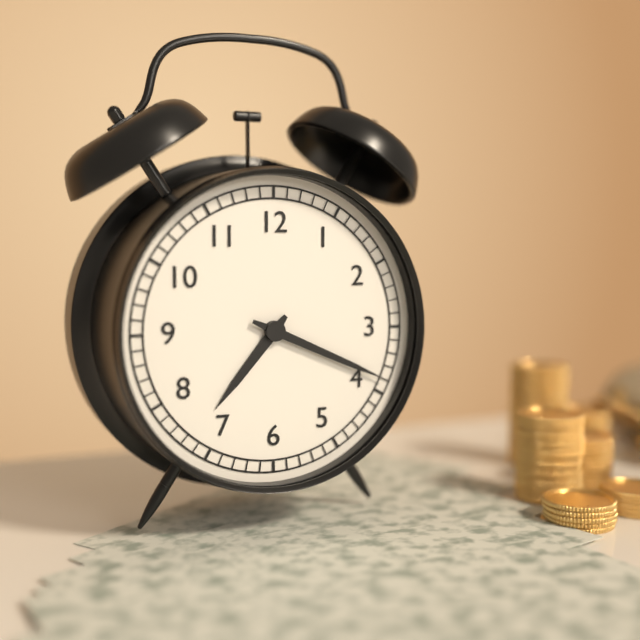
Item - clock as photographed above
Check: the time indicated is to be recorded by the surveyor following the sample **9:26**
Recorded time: **7:19**
